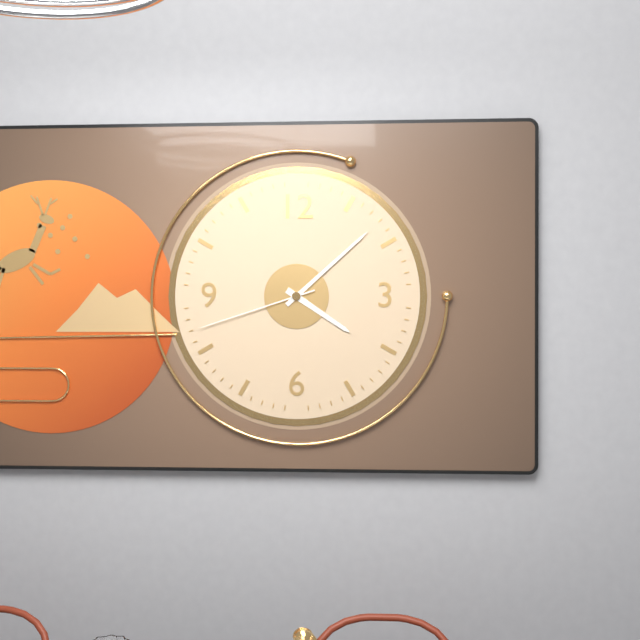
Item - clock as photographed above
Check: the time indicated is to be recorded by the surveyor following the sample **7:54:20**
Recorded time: **4:08:42**
